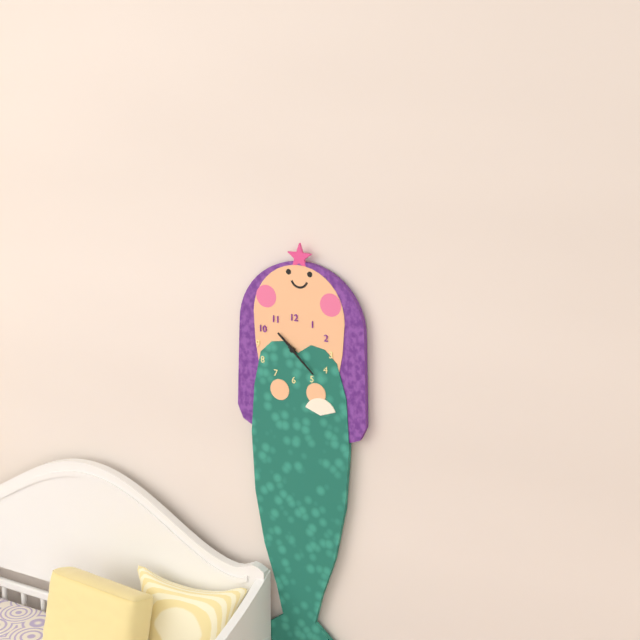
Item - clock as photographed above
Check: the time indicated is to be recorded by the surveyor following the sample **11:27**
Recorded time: **10:22**
